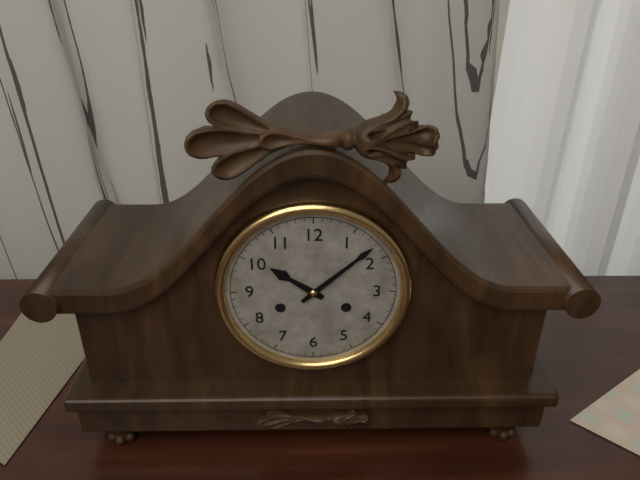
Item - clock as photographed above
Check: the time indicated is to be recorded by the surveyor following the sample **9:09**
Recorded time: **10:08**
